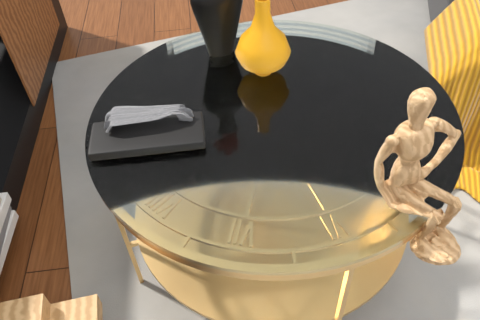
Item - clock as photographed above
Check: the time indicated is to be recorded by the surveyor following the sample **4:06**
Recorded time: **12:13**
